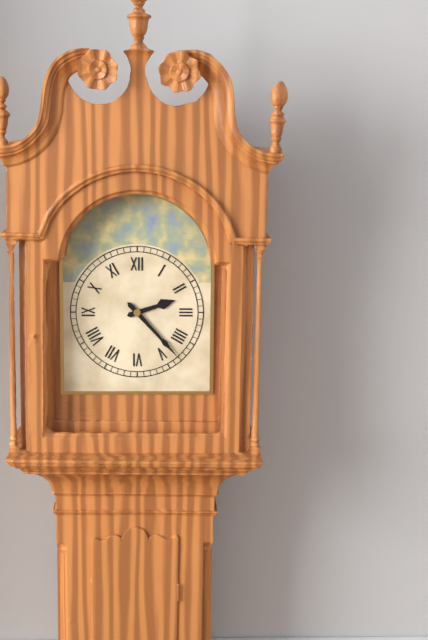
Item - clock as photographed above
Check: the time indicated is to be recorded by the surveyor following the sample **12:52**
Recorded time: **2:23**
